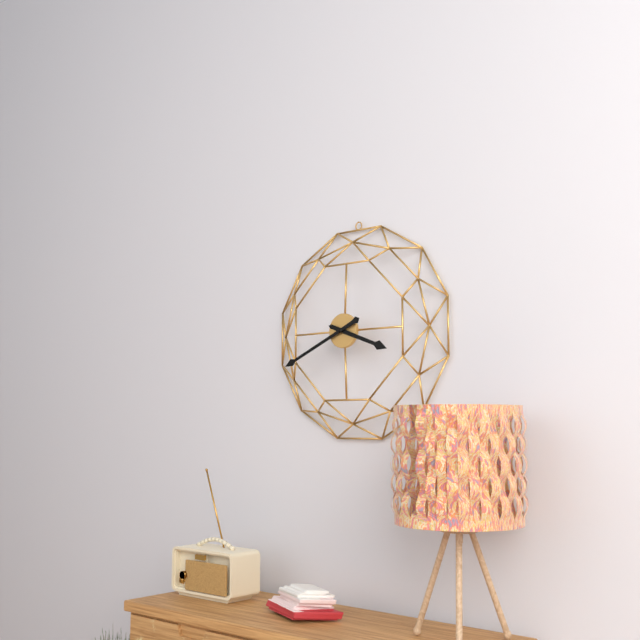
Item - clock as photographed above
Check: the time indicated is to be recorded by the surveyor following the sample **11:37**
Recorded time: **3:41**
